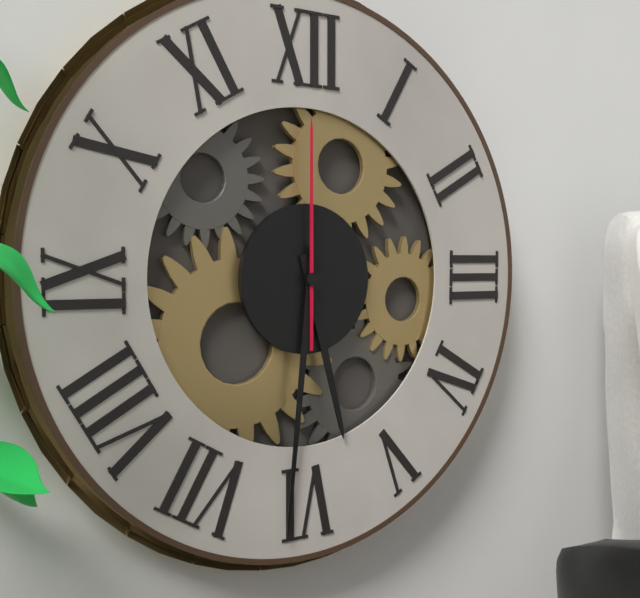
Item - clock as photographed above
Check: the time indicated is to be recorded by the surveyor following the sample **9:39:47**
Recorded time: **5:31:00**
